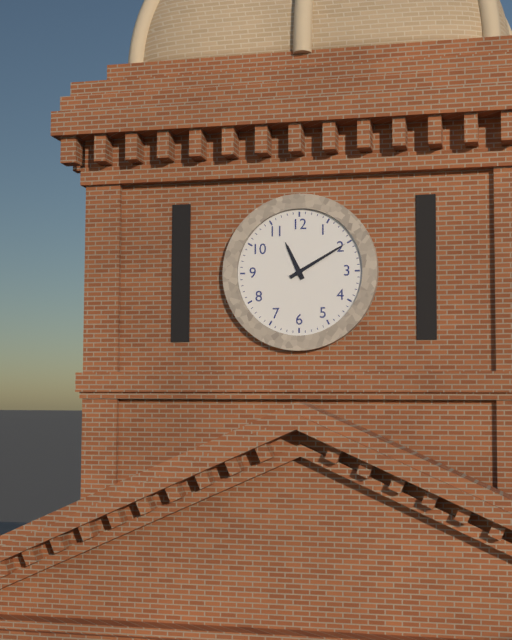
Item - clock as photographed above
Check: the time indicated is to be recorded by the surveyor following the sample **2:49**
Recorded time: **11:10**
